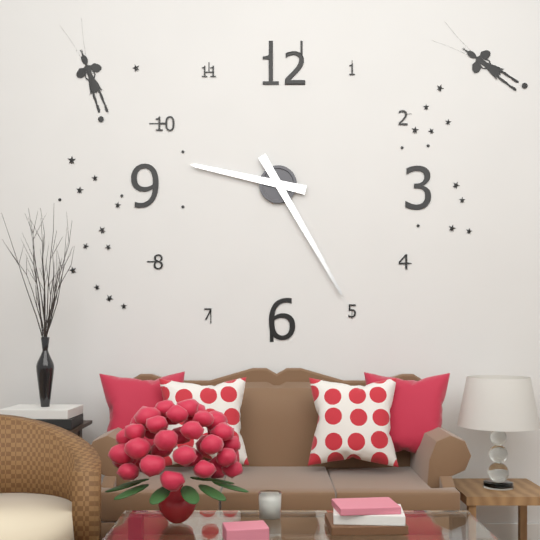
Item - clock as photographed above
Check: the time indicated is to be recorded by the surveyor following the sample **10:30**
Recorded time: **9:25**
